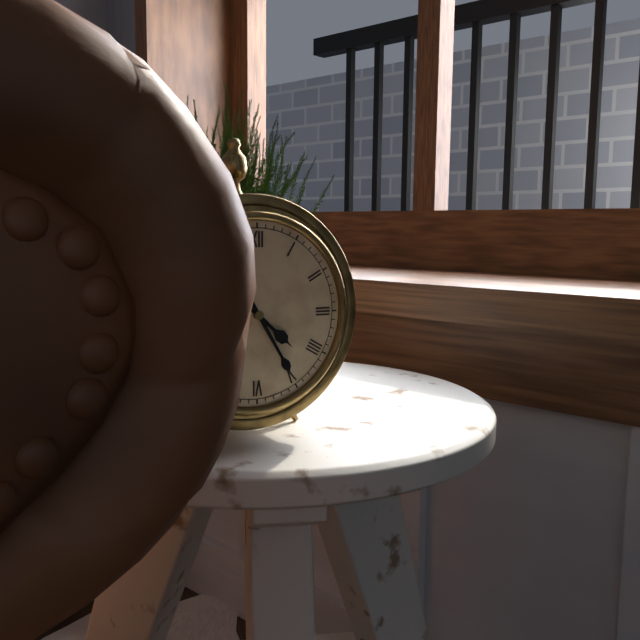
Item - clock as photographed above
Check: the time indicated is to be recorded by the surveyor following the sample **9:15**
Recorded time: **4:25**
